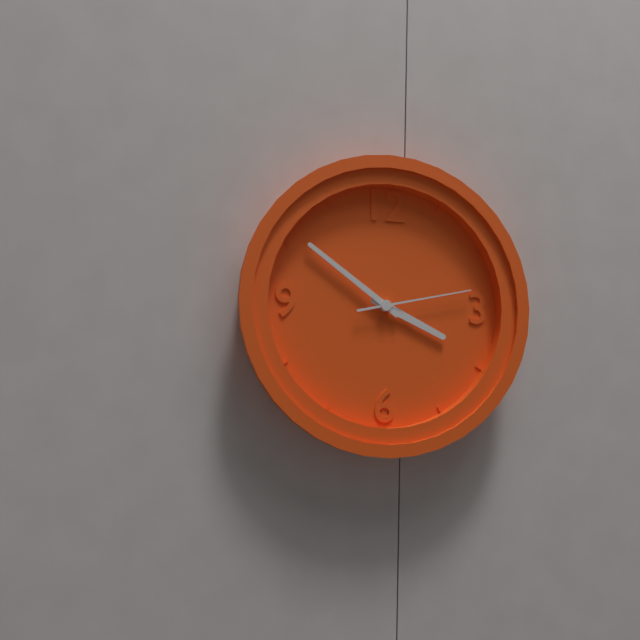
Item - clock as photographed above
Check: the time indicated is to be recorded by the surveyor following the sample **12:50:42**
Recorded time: **3:51:13**
